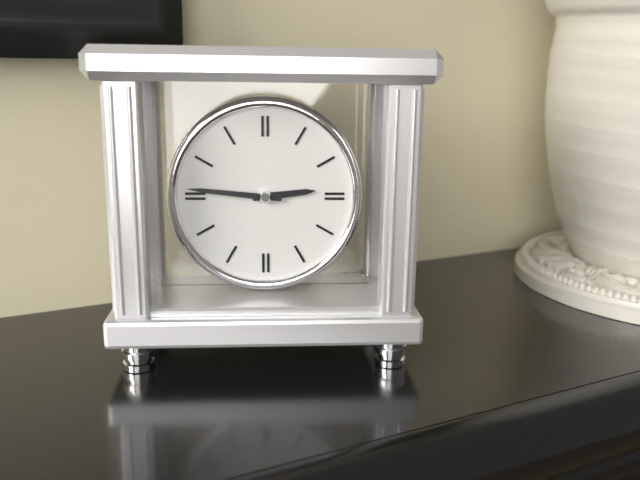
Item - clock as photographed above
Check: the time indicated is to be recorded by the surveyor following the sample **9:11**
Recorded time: **2:46**
